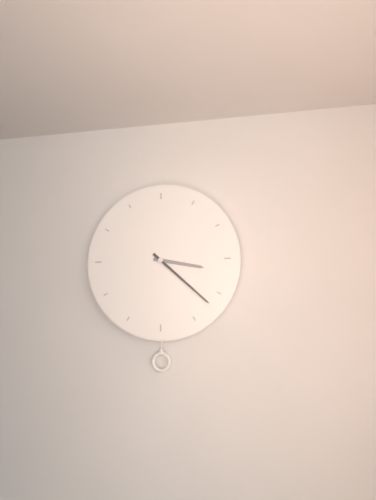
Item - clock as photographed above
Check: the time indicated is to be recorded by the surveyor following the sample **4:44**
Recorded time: **3:22**
